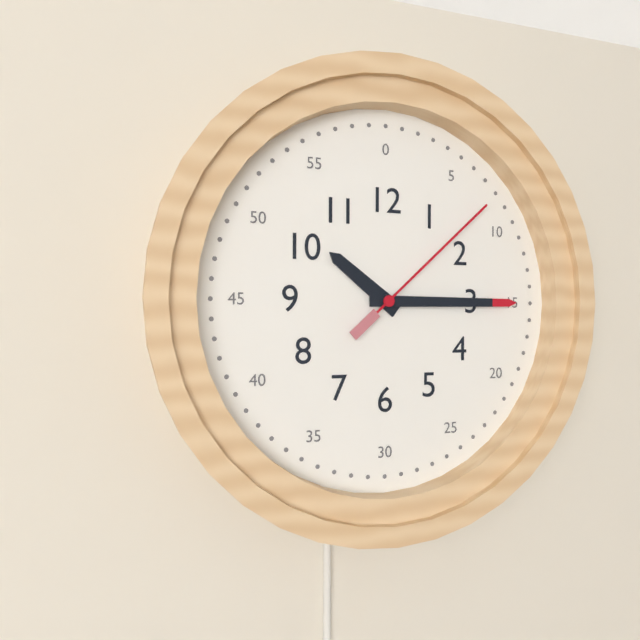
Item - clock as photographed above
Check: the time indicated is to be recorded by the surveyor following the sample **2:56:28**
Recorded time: **10:15:08**
